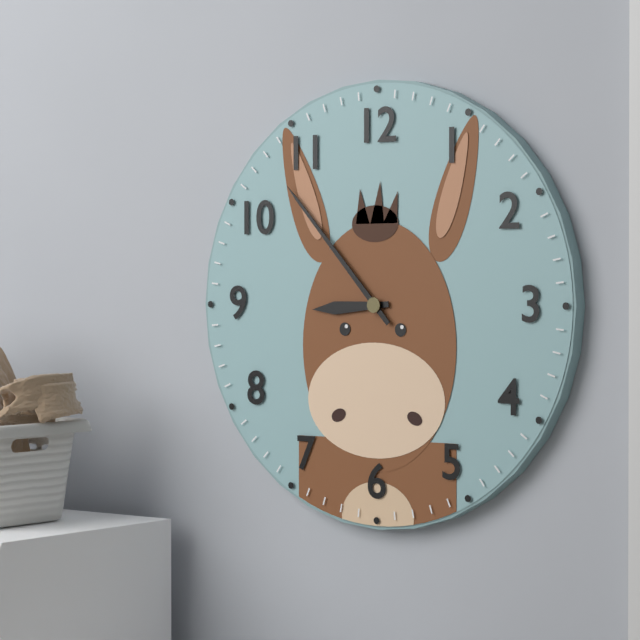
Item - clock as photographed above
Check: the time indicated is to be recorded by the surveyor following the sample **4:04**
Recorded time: **8:53**
